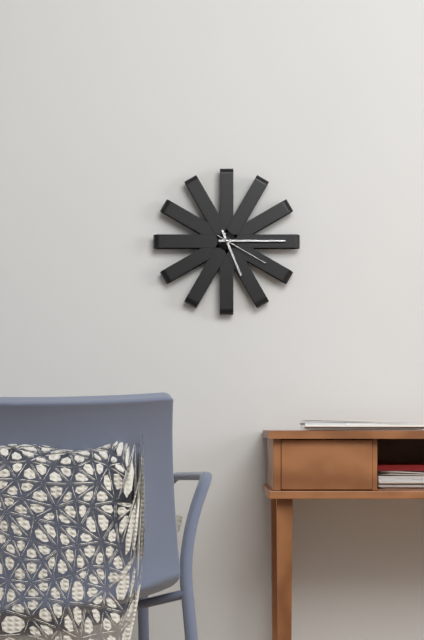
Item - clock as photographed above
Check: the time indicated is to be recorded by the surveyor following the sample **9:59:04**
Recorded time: **5:15:20**
